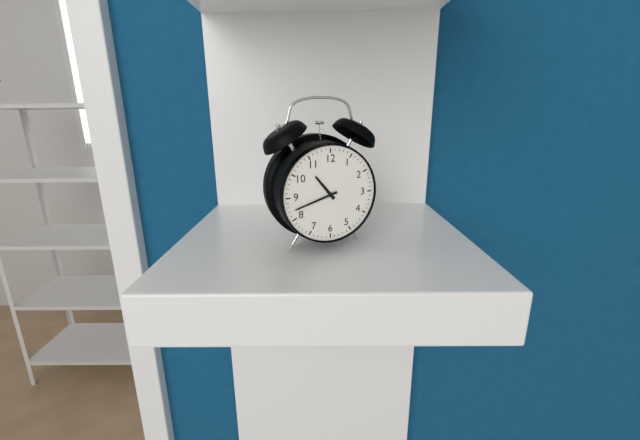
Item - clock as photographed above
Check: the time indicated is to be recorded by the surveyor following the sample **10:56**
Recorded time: **10:42**
